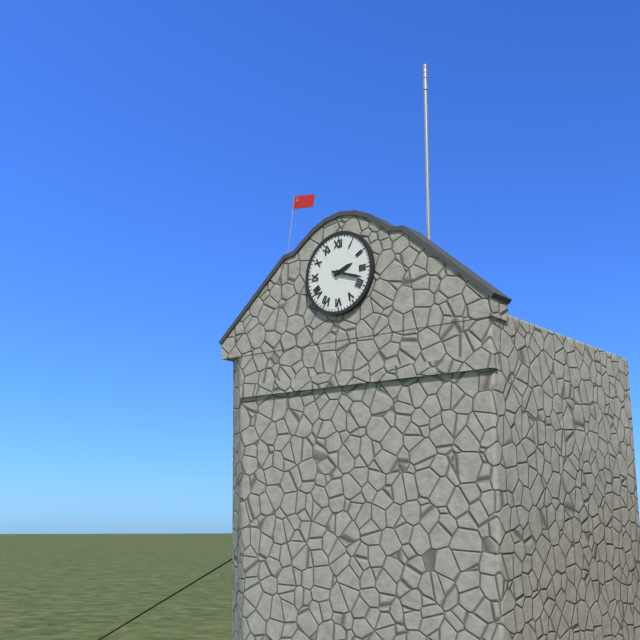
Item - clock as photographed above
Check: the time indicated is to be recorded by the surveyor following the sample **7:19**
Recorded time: **2:18**
